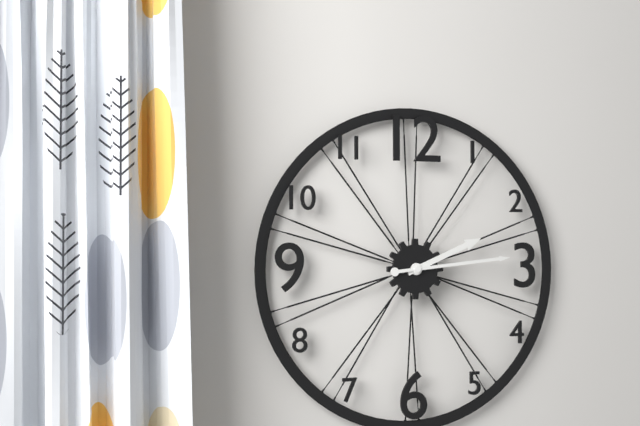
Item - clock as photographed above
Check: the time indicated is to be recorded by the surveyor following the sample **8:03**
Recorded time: **2:14**
